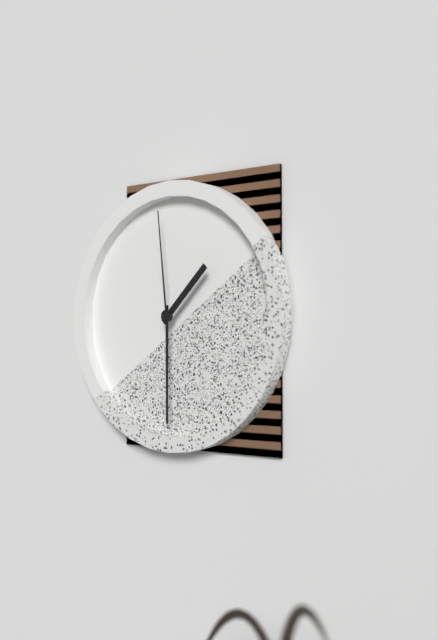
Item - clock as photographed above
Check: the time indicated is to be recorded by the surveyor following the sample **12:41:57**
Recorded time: **1:30:59**
